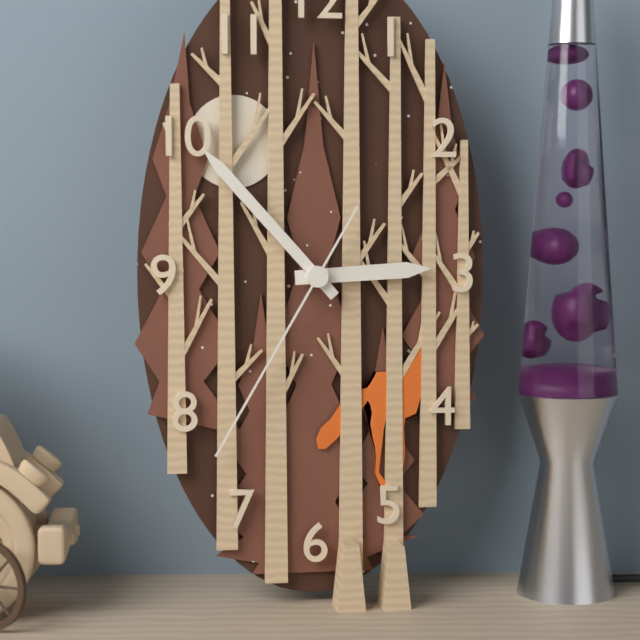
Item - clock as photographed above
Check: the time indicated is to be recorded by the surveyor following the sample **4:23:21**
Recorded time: **2:53:35**
